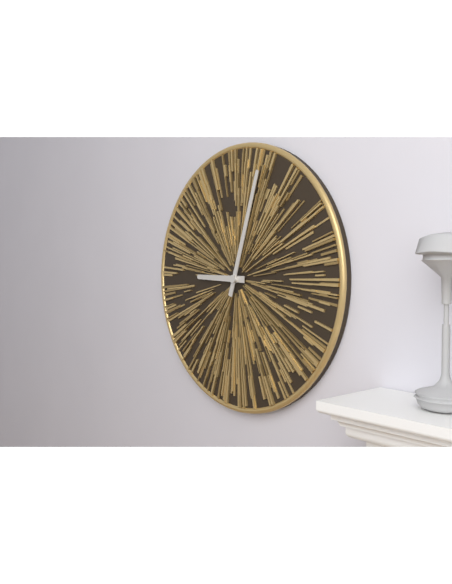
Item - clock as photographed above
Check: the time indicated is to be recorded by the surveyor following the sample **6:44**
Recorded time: **9:03**
